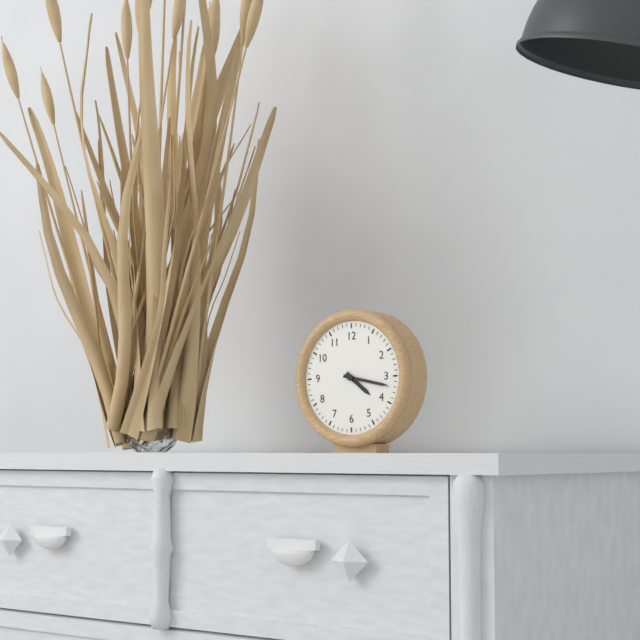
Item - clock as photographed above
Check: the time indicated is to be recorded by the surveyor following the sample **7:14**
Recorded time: **4:17**
